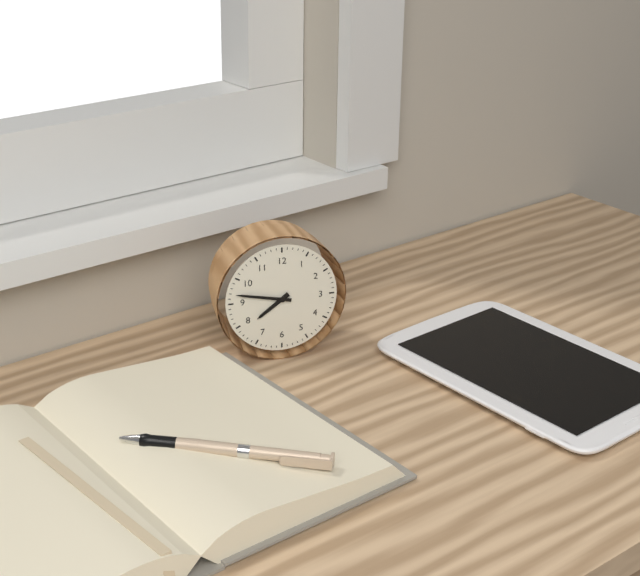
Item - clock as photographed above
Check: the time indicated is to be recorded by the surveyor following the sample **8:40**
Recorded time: **7:47**
